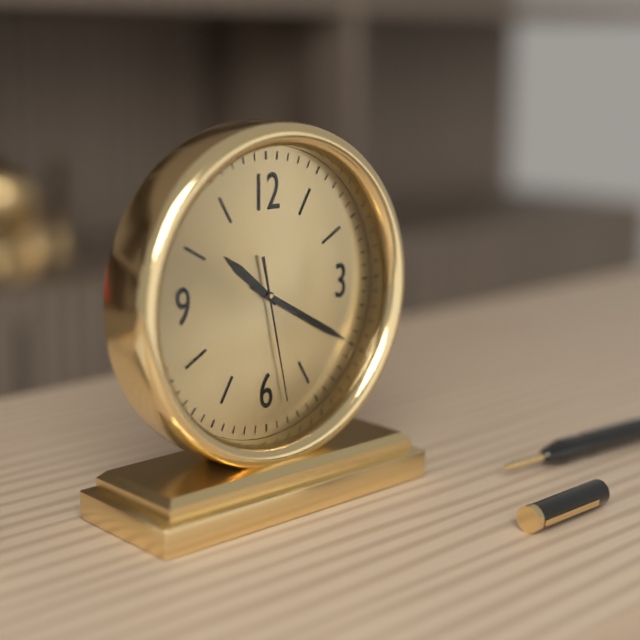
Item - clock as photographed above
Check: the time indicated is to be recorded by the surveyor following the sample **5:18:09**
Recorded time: **10:20:28**
